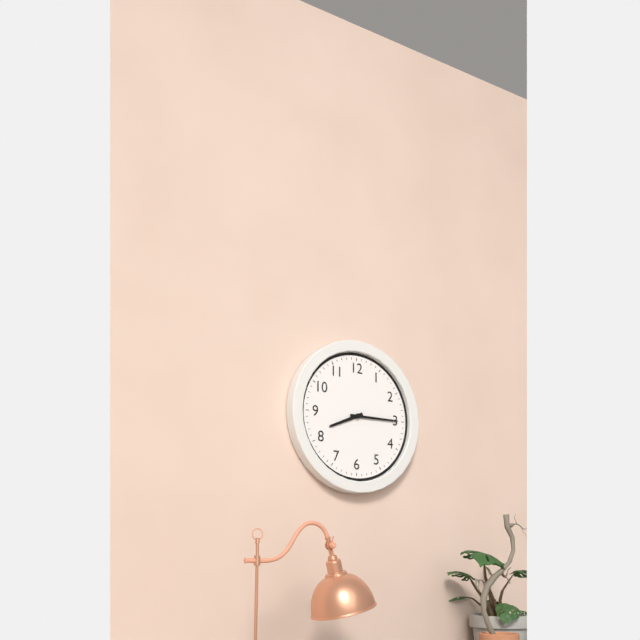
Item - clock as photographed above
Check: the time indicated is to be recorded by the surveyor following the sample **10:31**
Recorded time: **8:15**
